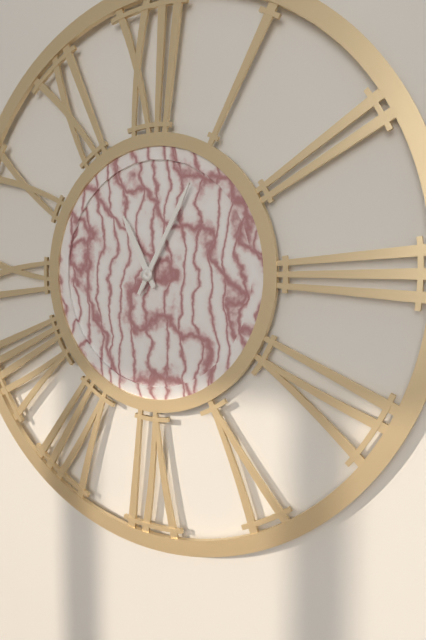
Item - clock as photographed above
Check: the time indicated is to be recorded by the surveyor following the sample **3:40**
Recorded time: **11:05**
